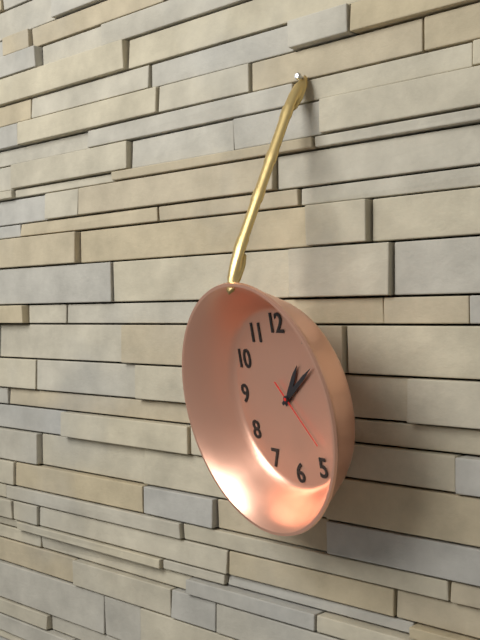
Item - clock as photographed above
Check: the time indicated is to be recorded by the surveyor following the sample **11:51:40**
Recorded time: **1:09:23**
